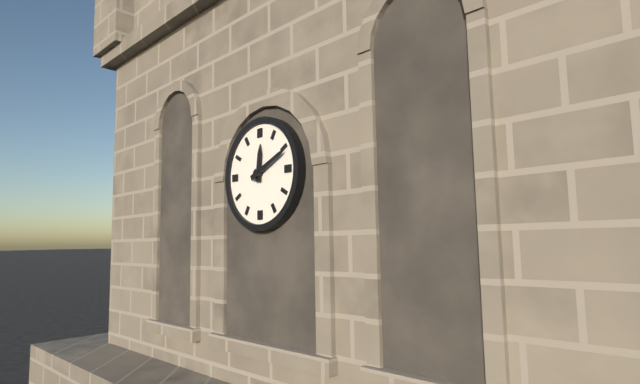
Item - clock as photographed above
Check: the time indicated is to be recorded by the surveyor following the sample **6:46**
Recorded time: **12:11**
